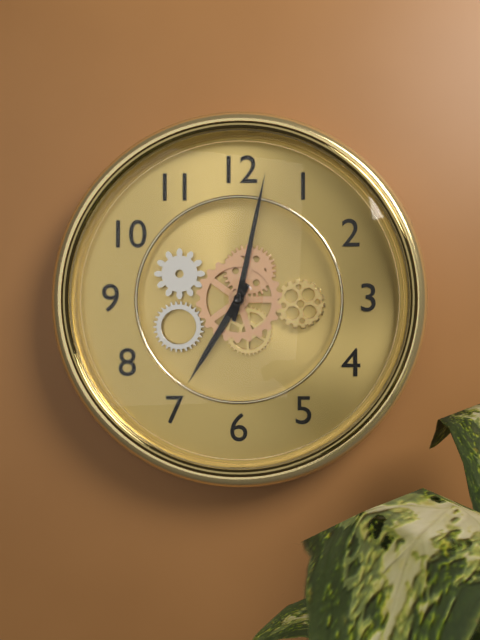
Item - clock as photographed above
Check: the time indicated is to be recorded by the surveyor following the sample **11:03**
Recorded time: **7:02**
